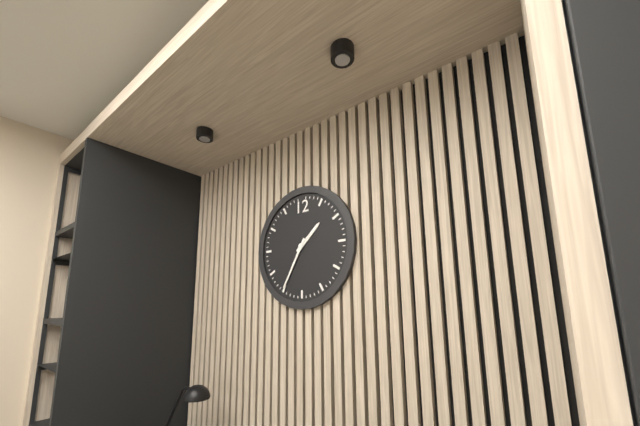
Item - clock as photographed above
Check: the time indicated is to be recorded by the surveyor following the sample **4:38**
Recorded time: **1:35**
